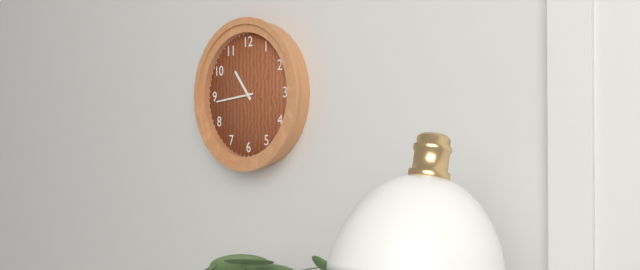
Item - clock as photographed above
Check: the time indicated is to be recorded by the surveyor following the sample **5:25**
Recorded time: **10:44**
